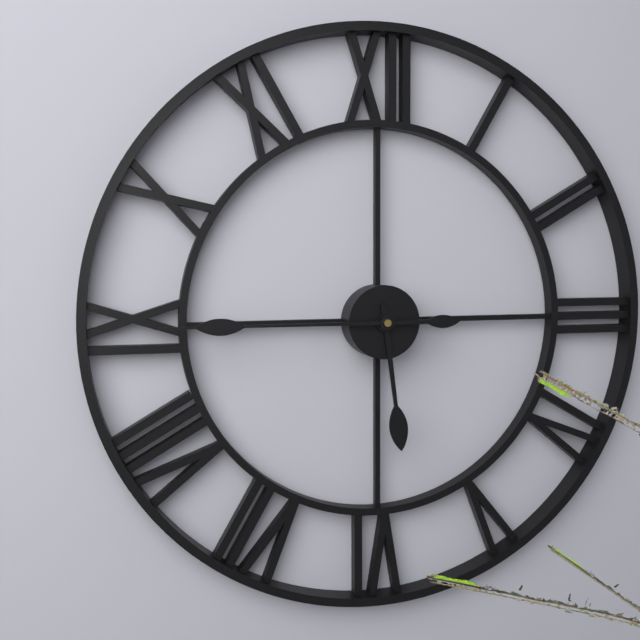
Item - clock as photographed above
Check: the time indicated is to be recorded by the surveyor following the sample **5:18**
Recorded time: **5:45**
